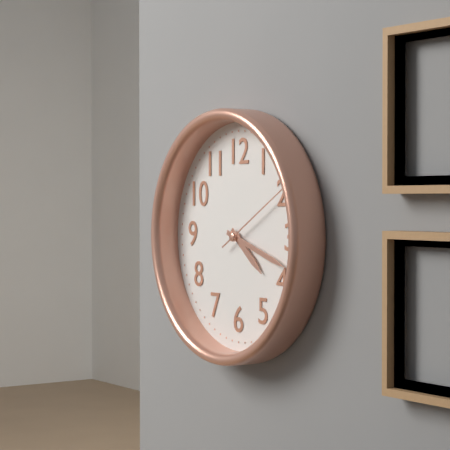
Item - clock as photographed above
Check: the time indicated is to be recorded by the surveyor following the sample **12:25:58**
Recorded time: **4:18:10**
